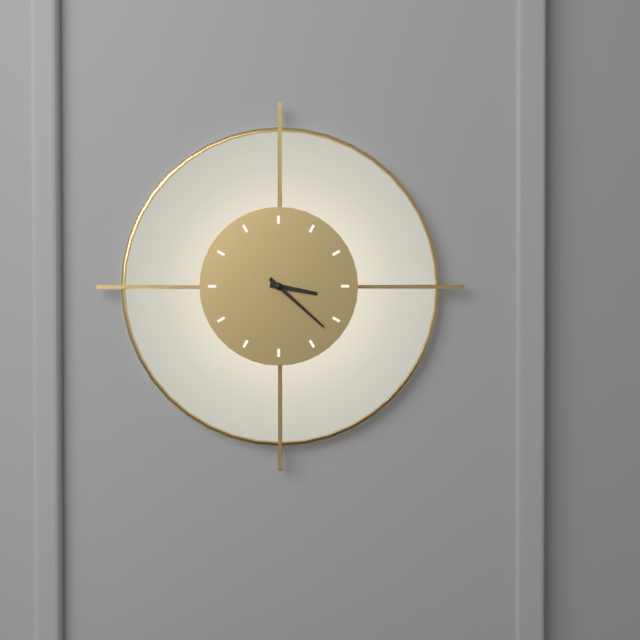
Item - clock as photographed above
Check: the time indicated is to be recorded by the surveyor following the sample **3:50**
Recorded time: **3:22**
